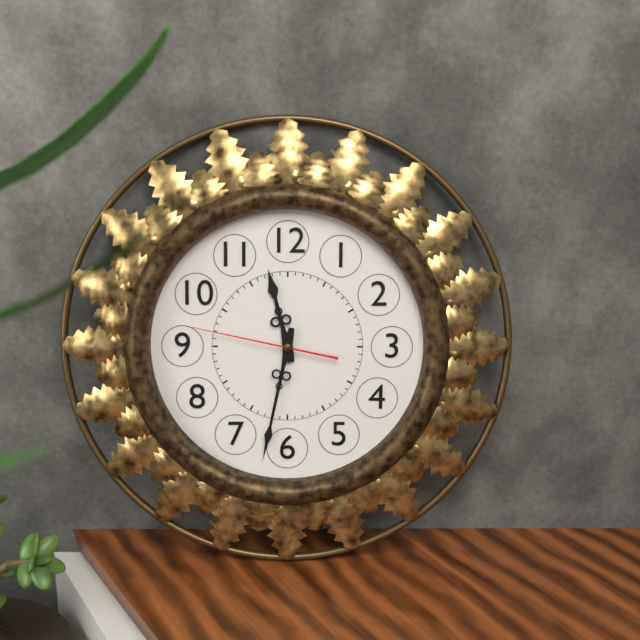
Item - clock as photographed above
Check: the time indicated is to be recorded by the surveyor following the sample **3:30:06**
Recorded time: **11:32:47**
